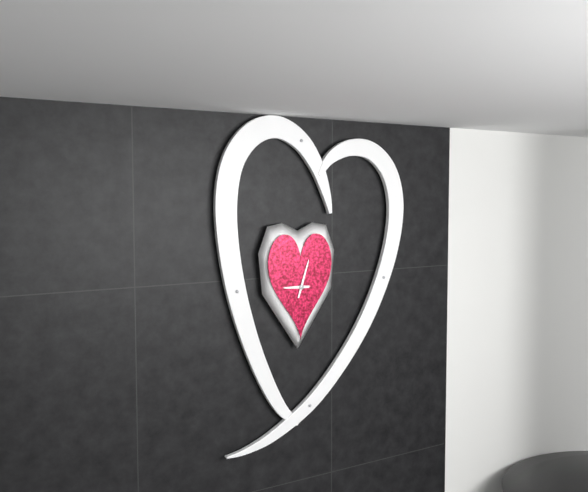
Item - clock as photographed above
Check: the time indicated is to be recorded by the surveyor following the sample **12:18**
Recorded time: **9:03**
